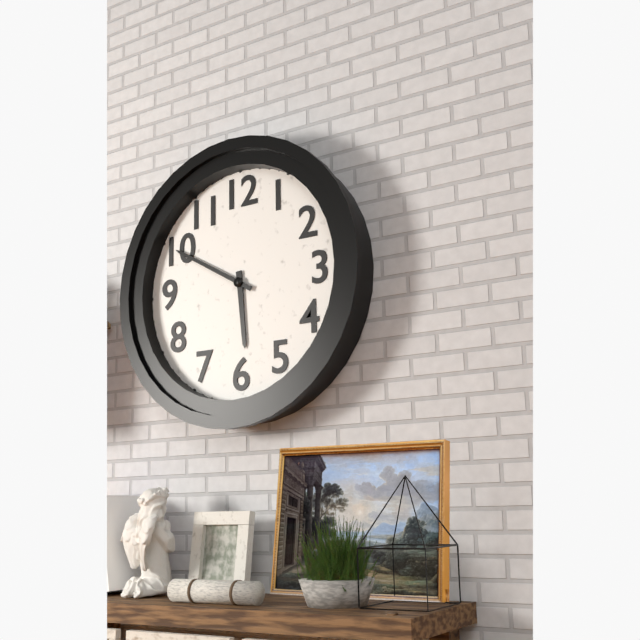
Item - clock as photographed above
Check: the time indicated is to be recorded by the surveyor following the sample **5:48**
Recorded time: **5:50**
